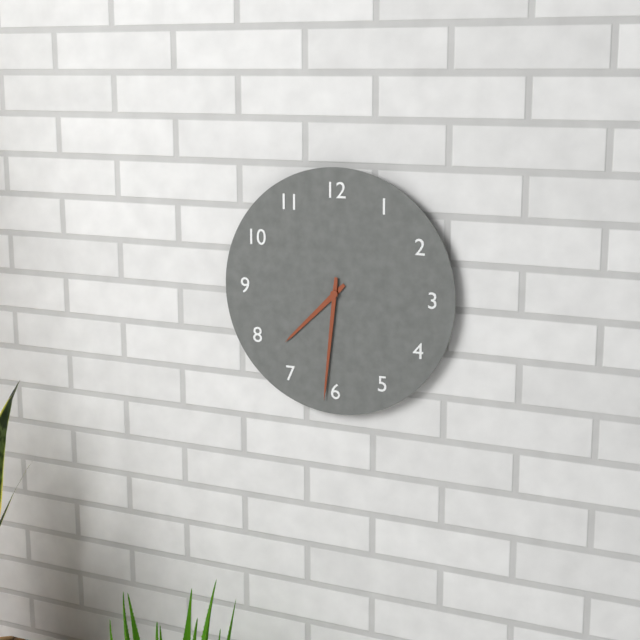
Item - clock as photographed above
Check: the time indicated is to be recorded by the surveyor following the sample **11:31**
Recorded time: **7:31**
